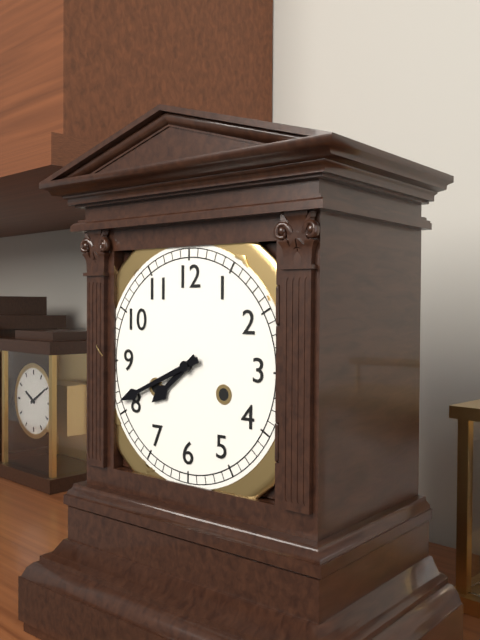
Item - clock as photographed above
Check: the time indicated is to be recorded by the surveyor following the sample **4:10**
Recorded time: **7:41**
